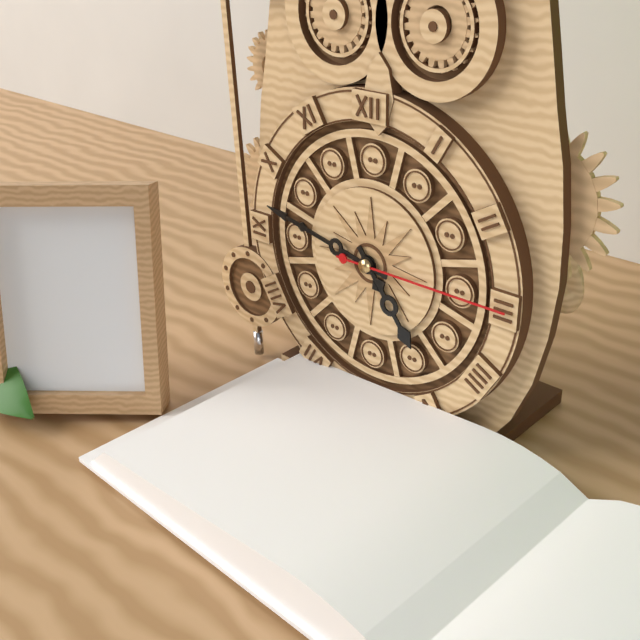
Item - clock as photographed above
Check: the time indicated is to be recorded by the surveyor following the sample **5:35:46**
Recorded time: **4:47:15**
